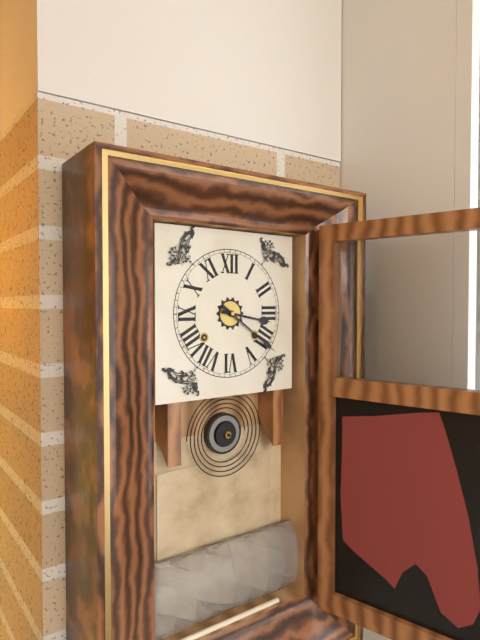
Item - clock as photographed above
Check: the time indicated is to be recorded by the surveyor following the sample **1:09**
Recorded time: **3:21**
